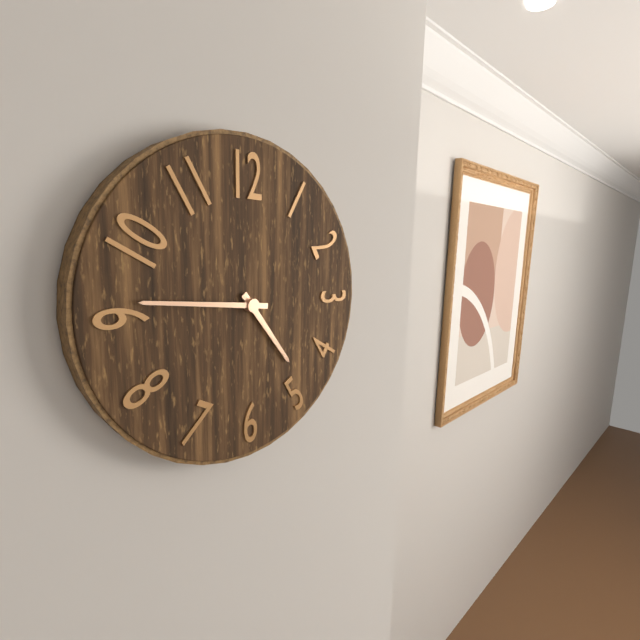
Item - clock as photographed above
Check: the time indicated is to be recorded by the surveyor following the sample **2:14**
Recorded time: **4:46**
